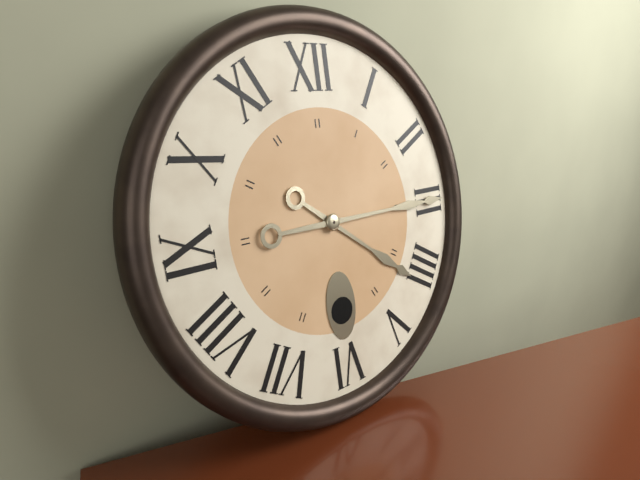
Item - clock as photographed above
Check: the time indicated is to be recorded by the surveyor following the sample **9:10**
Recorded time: **4:15**
